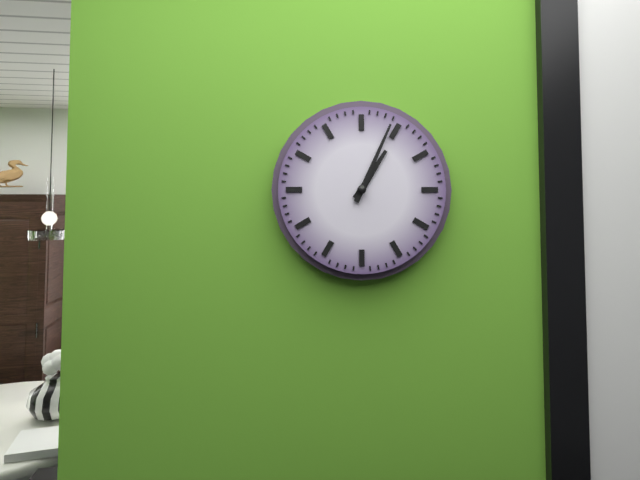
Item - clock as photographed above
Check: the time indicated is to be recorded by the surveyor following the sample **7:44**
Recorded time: **1:04**
